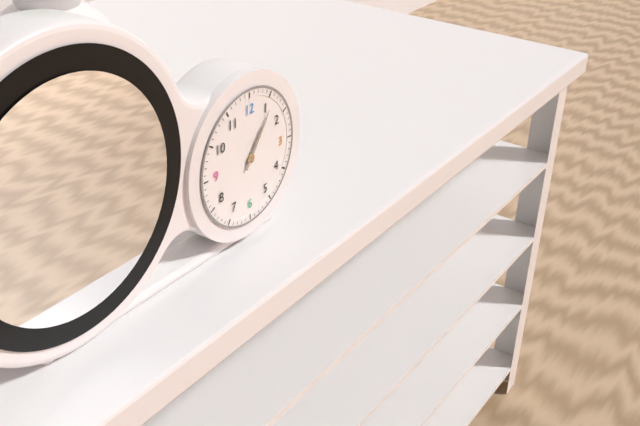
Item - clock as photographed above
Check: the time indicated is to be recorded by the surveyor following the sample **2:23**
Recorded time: **1:06**
